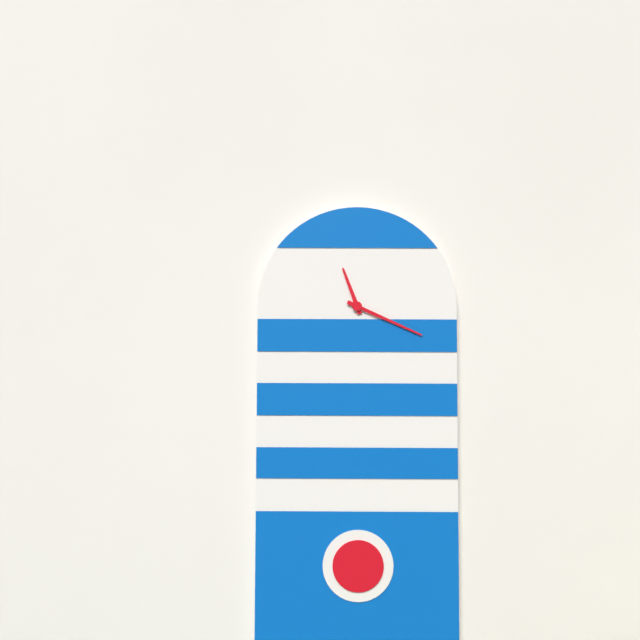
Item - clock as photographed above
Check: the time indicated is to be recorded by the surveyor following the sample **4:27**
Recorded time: **11:19**
